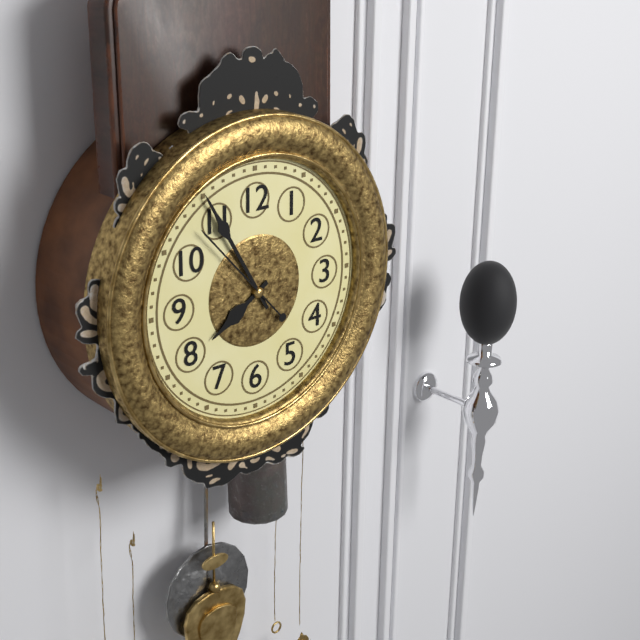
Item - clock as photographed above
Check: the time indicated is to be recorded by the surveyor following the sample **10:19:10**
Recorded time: **7:55:53**
